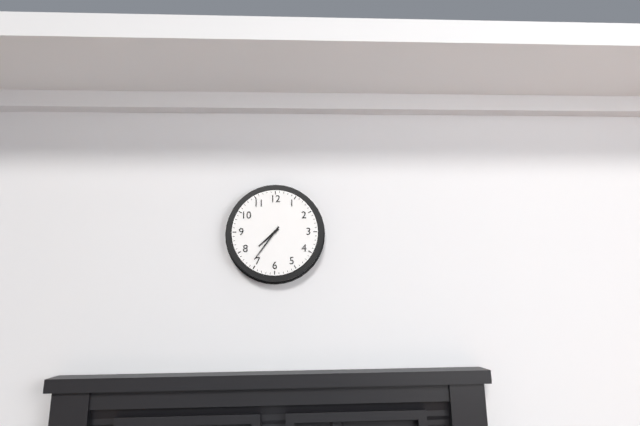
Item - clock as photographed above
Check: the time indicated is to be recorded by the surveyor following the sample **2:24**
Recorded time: **7:36**
